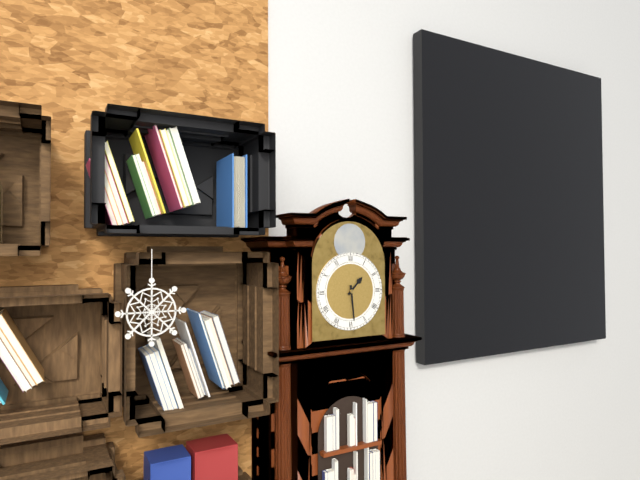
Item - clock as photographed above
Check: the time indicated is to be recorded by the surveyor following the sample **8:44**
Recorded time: **1:29**
